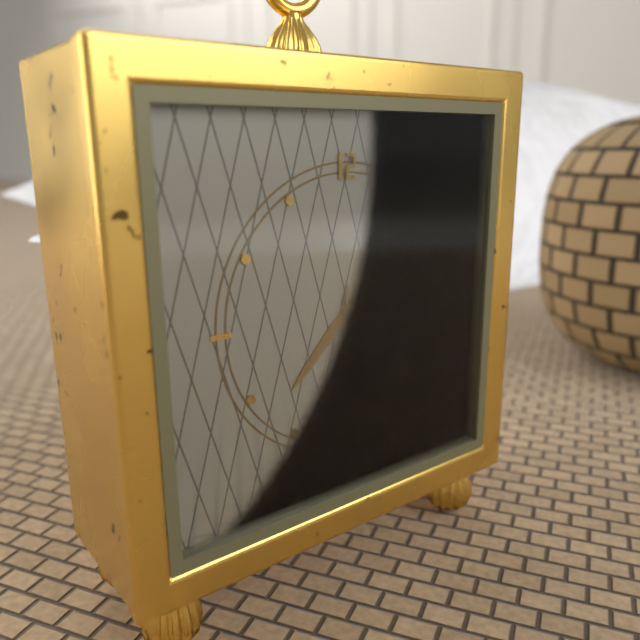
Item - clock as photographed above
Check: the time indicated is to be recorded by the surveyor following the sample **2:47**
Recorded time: **7:30**
